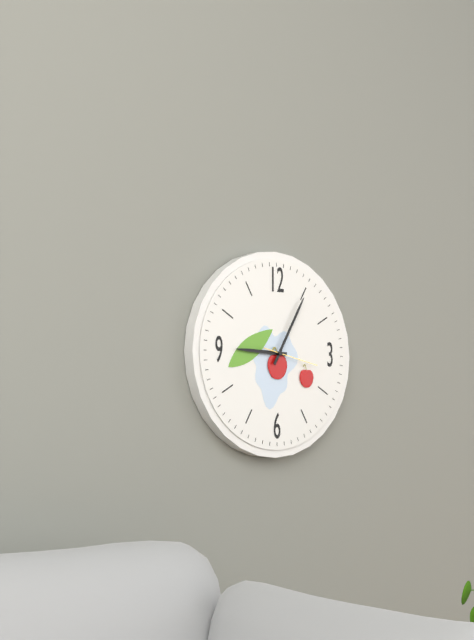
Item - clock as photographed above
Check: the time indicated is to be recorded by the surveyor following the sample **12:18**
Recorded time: **9:05**
